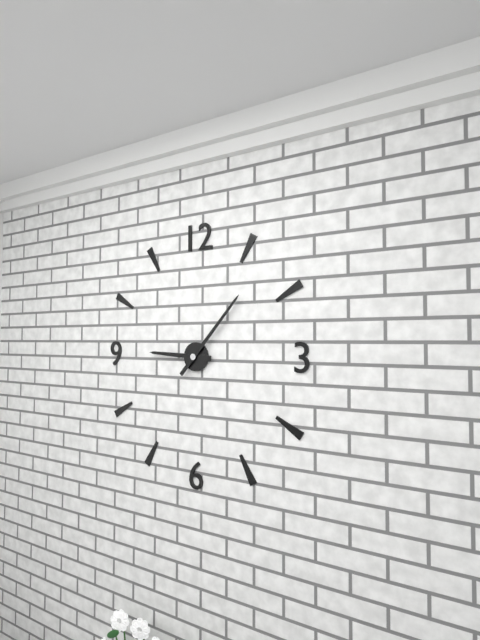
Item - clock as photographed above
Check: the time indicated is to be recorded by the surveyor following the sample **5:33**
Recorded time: **9:07**
